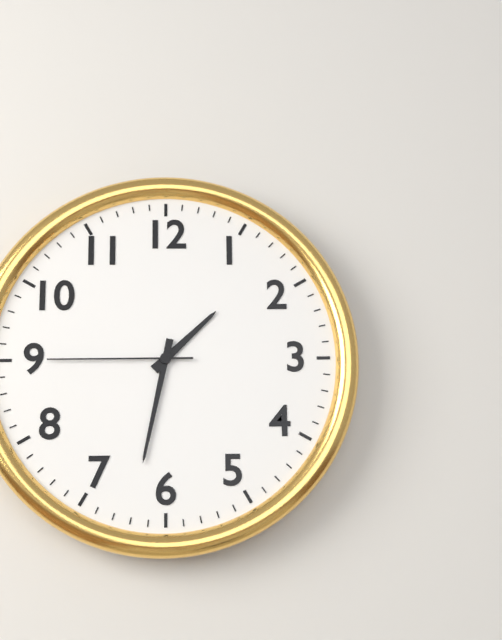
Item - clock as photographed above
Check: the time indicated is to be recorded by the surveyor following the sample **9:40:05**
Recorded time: **1:32:45**
